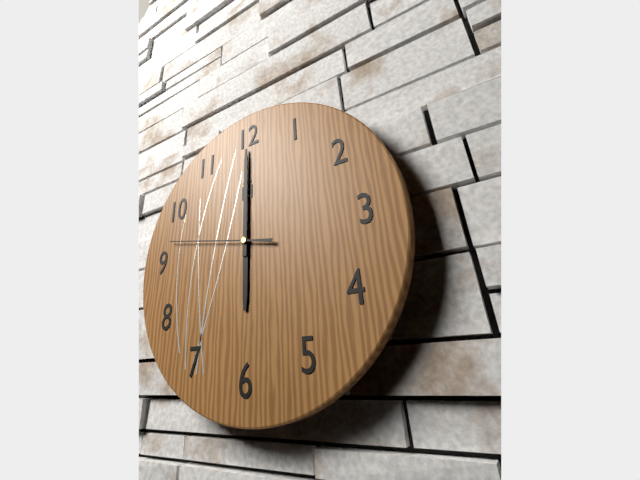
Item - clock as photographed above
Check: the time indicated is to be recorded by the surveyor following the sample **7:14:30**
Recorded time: **6:00:47**
